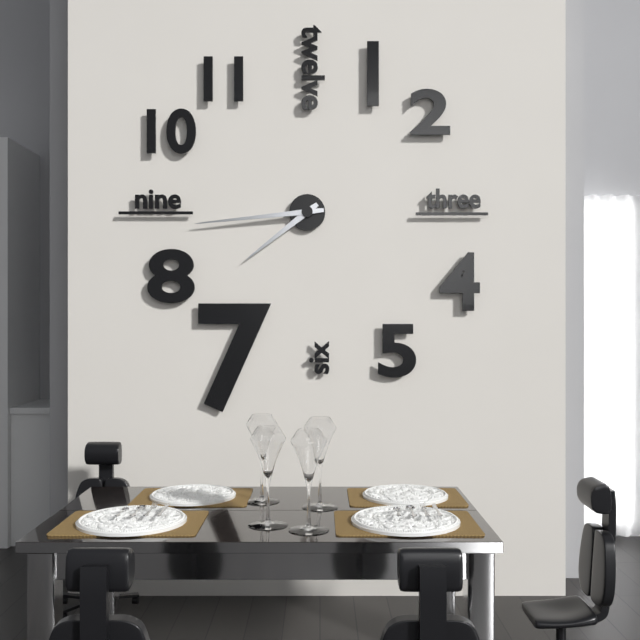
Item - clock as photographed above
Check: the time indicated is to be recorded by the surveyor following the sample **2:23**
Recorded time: **7:44**
